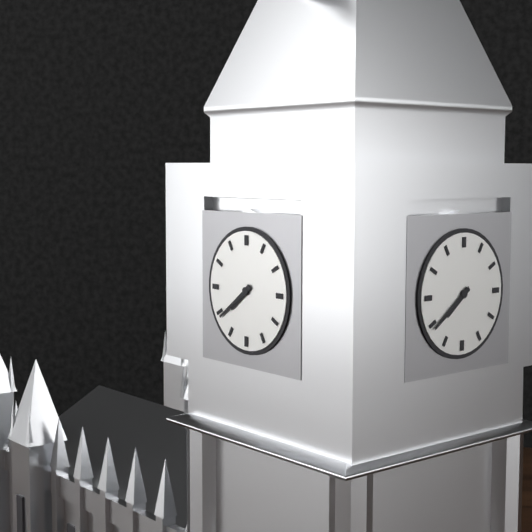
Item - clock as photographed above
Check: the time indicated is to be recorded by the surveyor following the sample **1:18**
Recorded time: **7:39**
